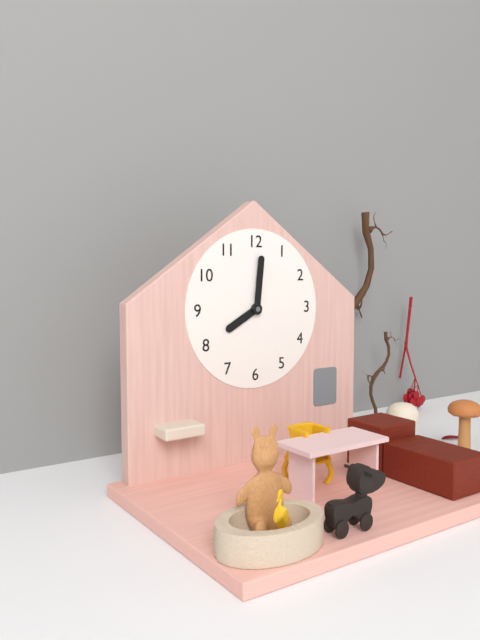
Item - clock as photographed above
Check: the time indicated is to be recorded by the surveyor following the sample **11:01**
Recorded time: **8:01**
